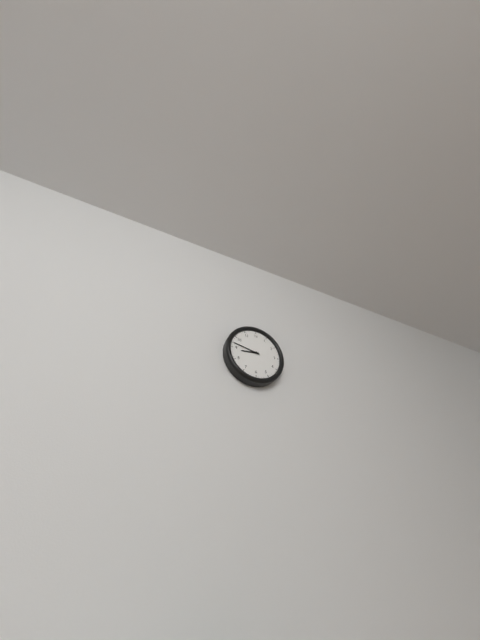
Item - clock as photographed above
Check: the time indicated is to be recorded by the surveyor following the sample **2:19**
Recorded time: **8:47**
